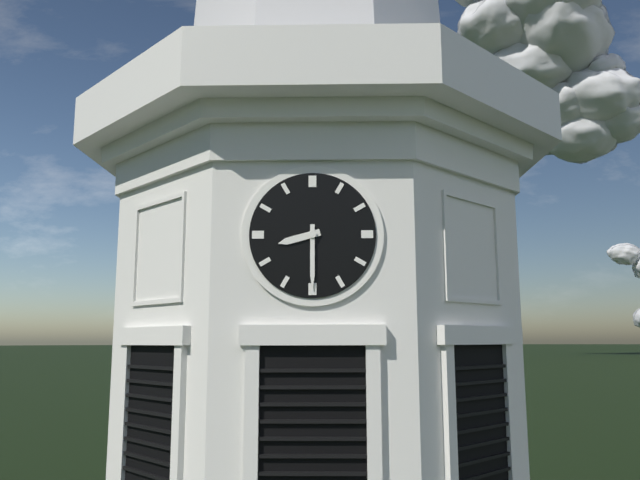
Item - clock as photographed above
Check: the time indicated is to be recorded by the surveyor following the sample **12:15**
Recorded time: **8:30**
